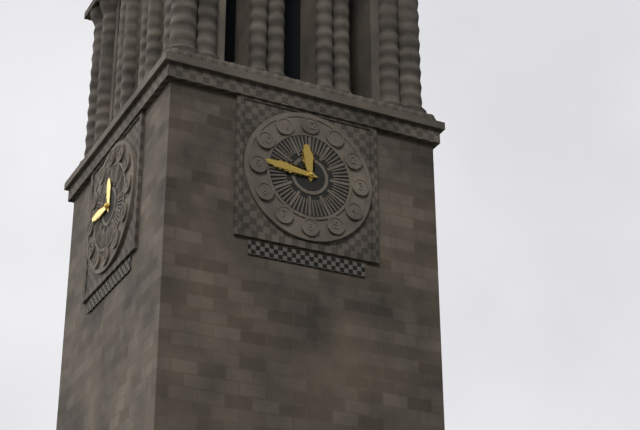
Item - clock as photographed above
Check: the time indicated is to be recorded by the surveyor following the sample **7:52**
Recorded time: **11:46**
